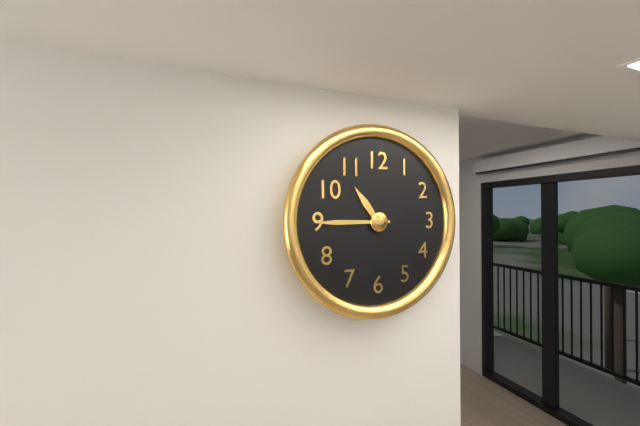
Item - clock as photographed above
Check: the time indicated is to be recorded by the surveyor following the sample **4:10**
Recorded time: **10:45**
